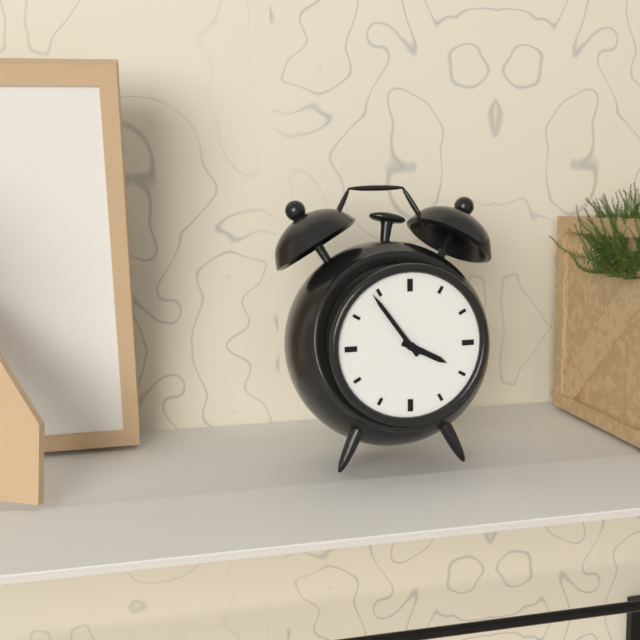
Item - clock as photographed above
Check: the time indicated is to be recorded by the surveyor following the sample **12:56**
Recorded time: **3:54**
